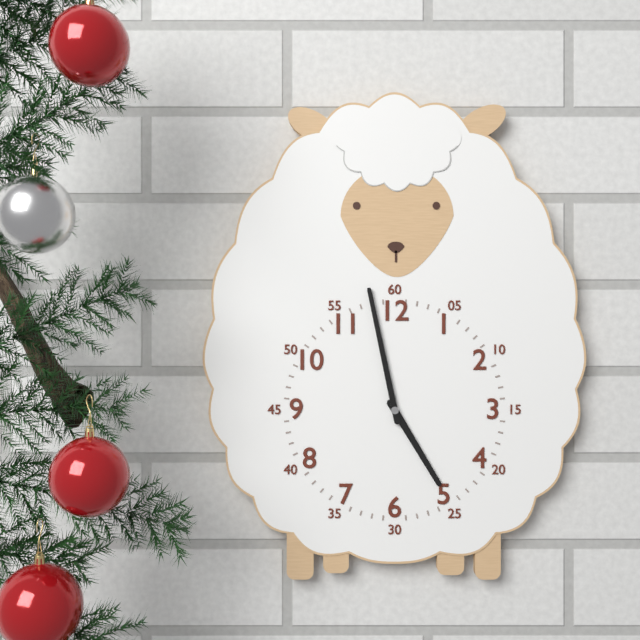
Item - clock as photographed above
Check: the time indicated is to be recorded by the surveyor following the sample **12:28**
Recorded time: **4:58**
